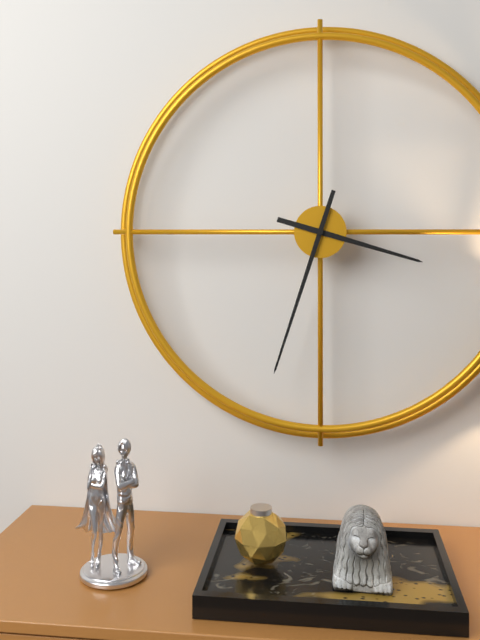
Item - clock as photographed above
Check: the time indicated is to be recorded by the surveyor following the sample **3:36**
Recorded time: **3:33**
